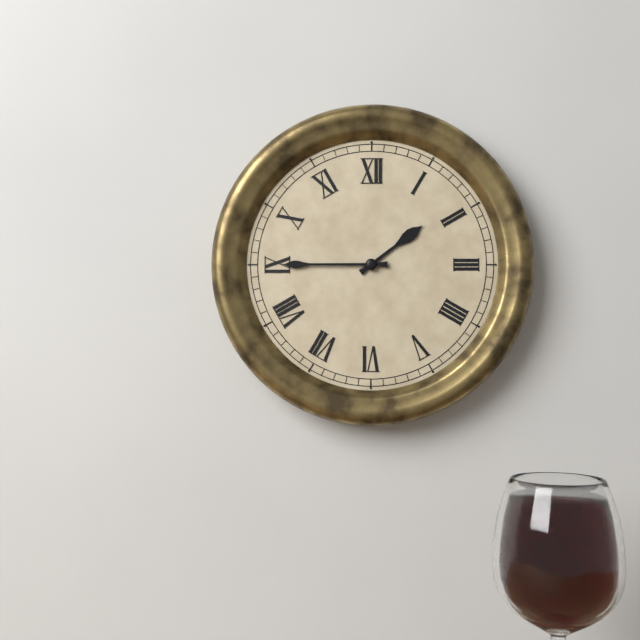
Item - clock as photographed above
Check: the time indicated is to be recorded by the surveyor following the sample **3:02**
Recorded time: **1:45**
